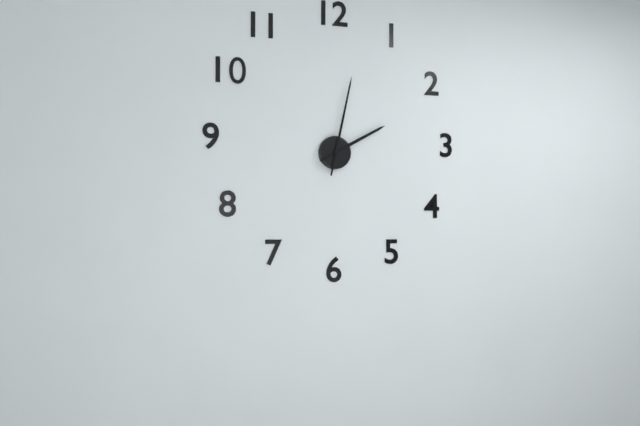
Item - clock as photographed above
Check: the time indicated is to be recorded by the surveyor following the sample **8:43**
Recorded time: **2:02**
